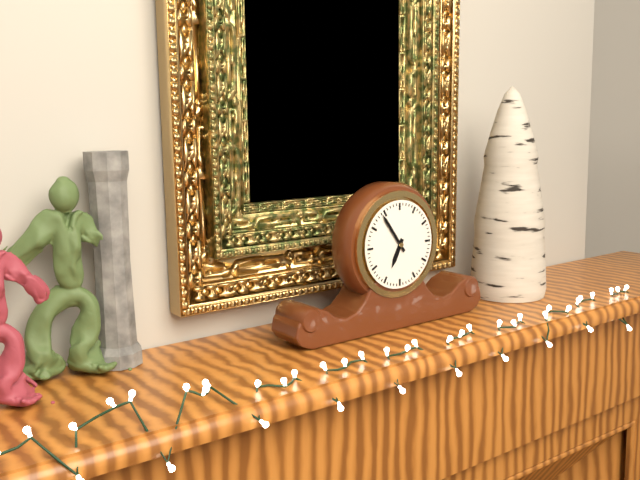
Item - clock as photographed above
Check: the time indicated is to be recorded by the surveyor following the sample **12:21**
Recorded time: **6:54**
